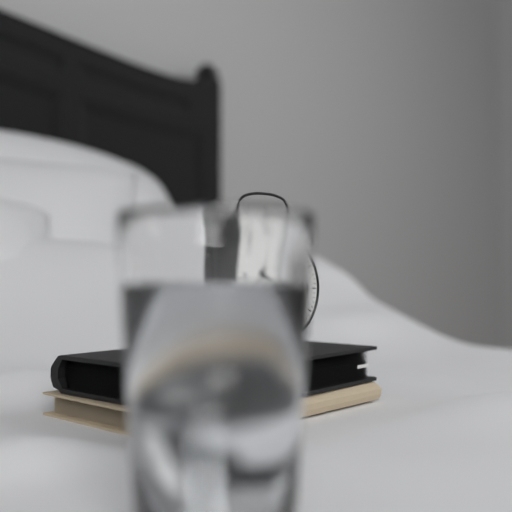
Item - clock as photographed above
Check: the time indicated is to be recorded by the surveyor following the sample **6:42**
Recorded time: **3:38**
